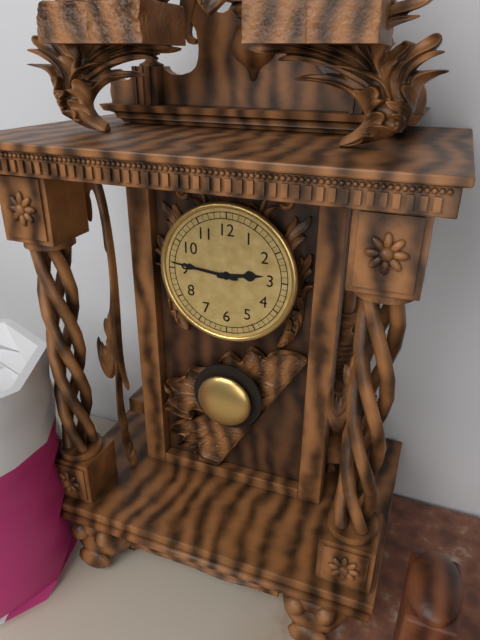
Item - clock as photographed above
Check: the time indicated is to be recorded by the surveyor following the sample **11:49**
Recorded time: **2:46**
